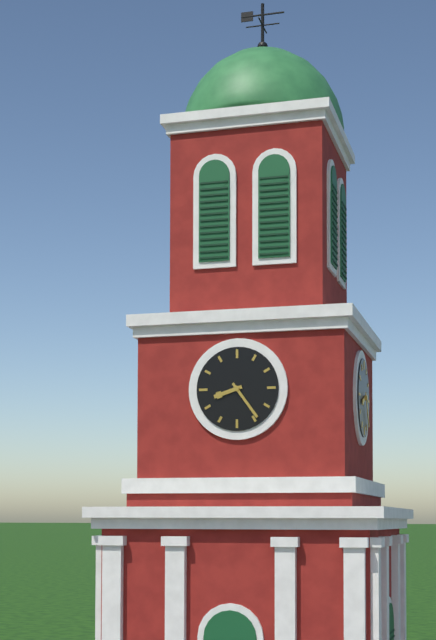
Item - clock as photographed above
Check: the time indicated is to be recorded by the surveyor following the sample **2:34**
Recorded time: **8:24**
